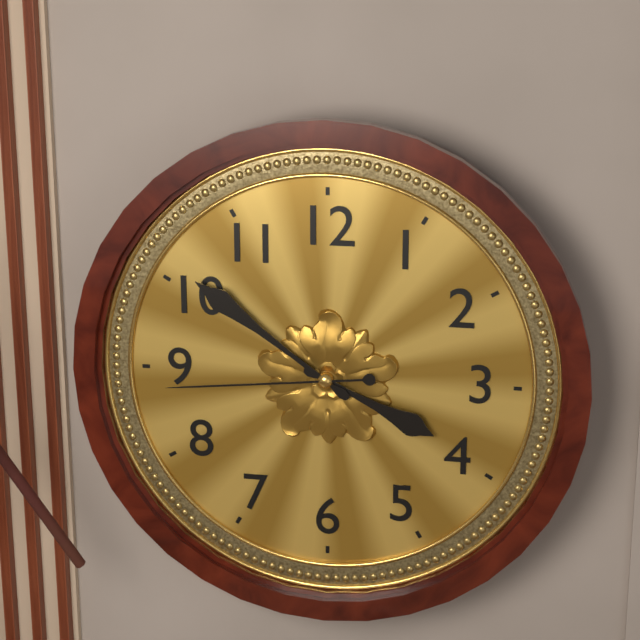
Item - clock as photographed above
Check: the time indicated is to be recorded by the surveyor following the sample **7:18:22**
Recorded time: **3:51:44**
